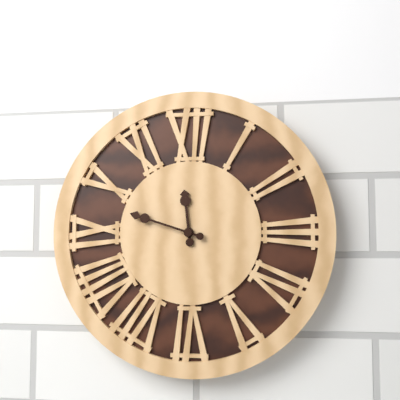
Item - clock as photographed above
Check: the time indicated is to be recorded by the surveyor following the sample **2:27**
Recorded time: **11:48**
